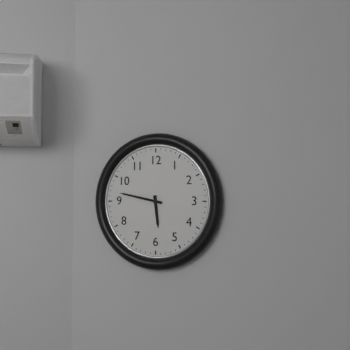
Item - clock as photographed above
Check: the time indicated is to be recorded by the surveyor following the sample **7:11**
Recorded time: **5:47**
